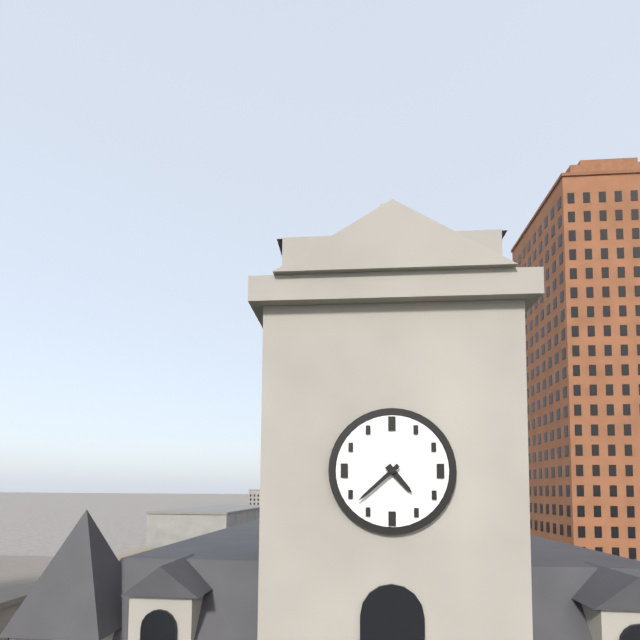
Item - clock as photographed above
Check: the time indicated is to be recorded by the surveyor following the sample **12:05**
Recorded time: **4:38**
